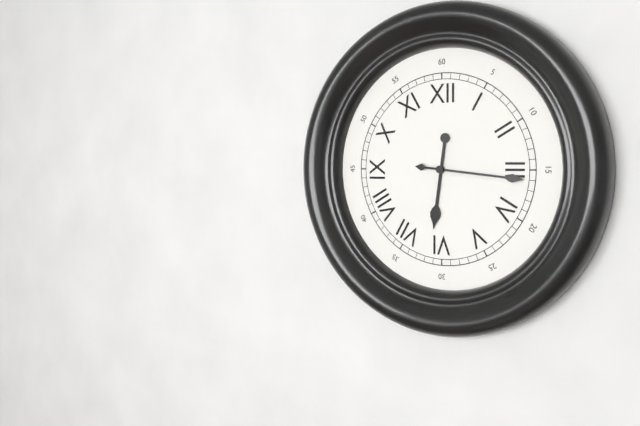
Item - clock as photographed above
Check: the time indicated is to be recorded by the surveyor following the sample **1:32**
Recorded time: **6:16**
